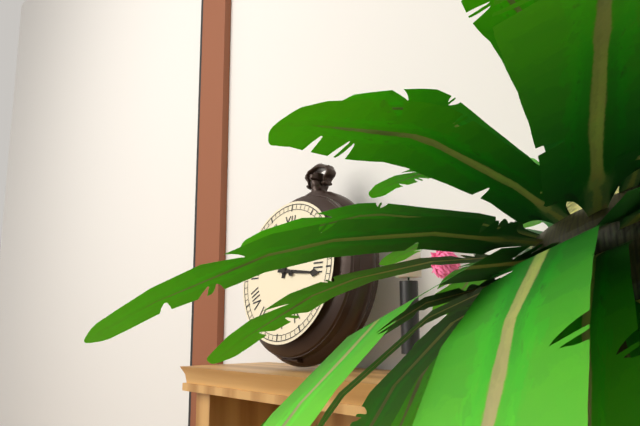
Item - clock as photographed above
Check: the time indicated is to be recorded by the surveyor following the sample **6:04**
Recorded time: **12:16**
